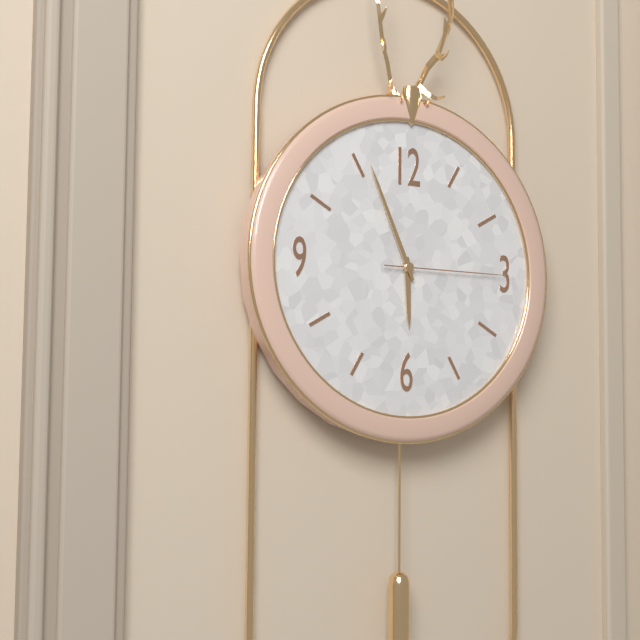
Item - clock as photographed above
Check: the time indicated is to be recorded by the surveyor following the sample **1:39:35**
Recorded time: **5:56:15**
